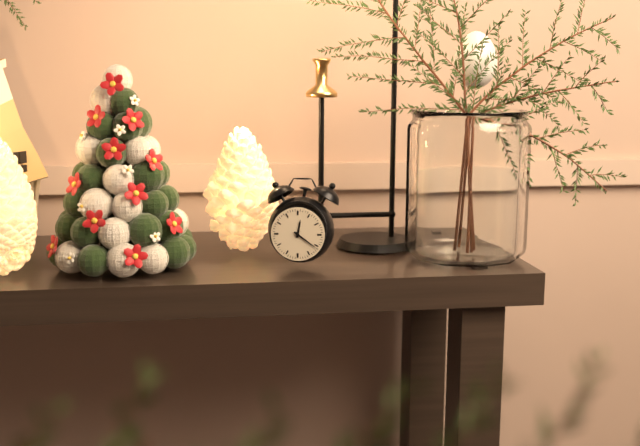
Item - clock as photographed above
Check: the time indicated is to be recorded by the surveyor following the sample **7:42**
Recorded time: **12:21**
